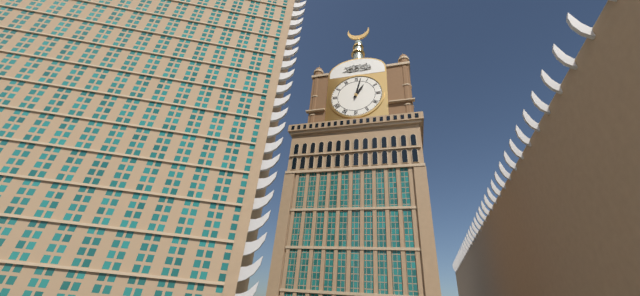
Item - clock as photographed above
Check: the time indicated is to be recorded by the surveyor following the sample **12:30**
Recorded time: **1:02**
